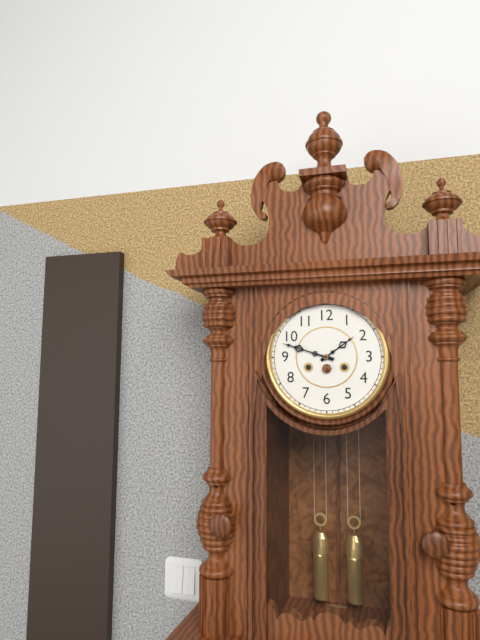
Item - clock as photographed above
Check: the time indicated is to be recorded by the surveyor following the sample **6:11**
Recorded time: **1:48**
